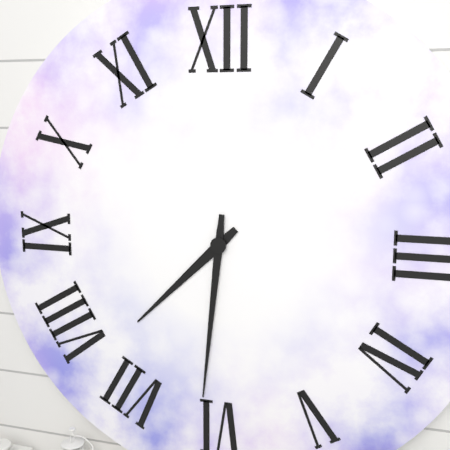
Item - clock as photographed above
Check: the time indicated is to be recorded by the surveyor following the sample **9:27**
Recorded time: **7:31**
